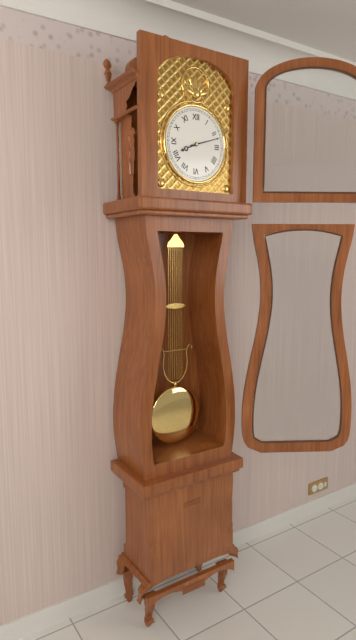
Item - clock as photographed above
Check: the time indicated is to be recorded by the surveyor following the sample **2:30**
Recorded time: **8:12**
